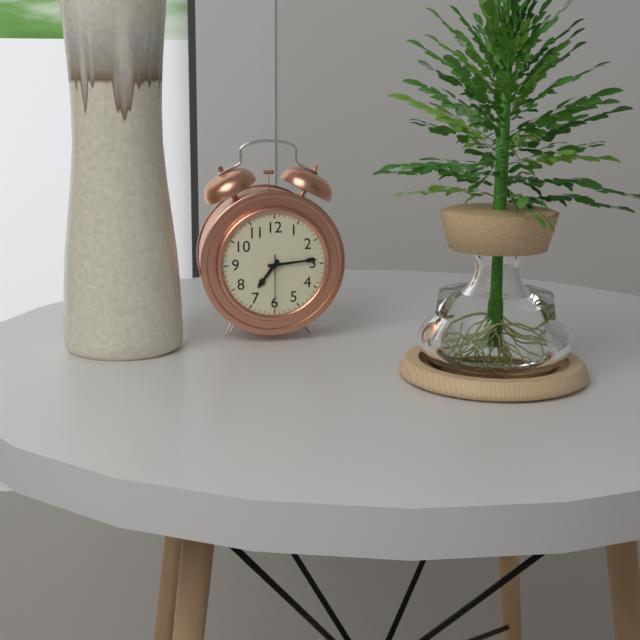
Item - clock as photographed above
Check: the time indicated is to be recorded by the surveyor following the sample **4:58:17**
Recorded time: **7:14:30**
